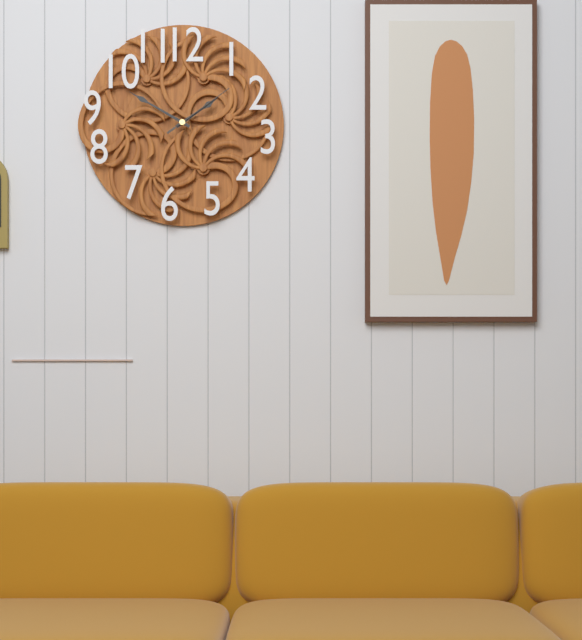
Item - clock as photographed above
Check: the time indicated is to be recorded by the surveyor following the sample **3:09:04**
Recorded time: **1:50:09**
